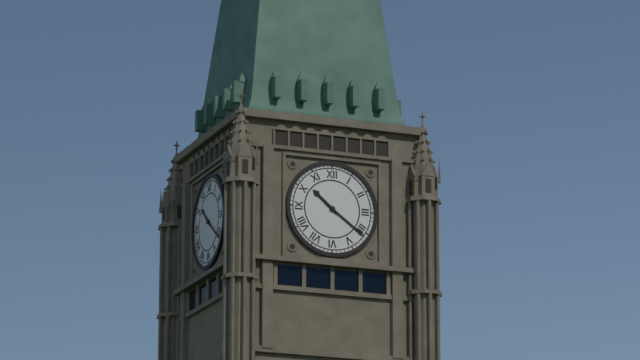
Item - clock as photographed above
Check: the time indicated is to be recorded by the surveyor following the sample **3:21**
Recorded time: **10:21**
